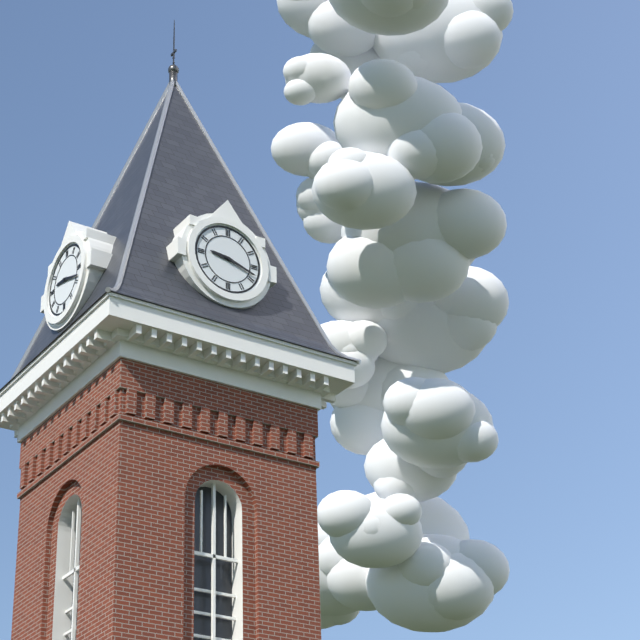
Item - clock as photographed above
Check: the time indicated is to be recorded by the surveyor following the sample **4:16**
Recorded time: **9:18**
